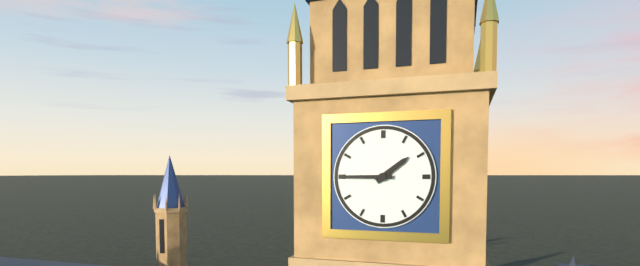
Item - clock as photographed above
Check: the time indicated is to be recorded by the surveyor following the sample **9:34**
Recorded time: **1:45**
